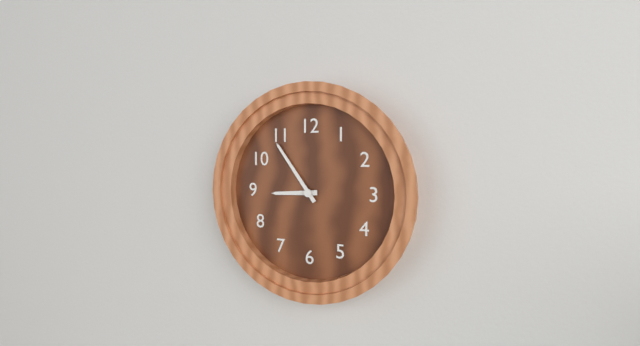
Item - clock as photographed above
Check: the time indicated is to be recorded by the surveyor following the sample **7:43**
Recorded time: **8:54**
